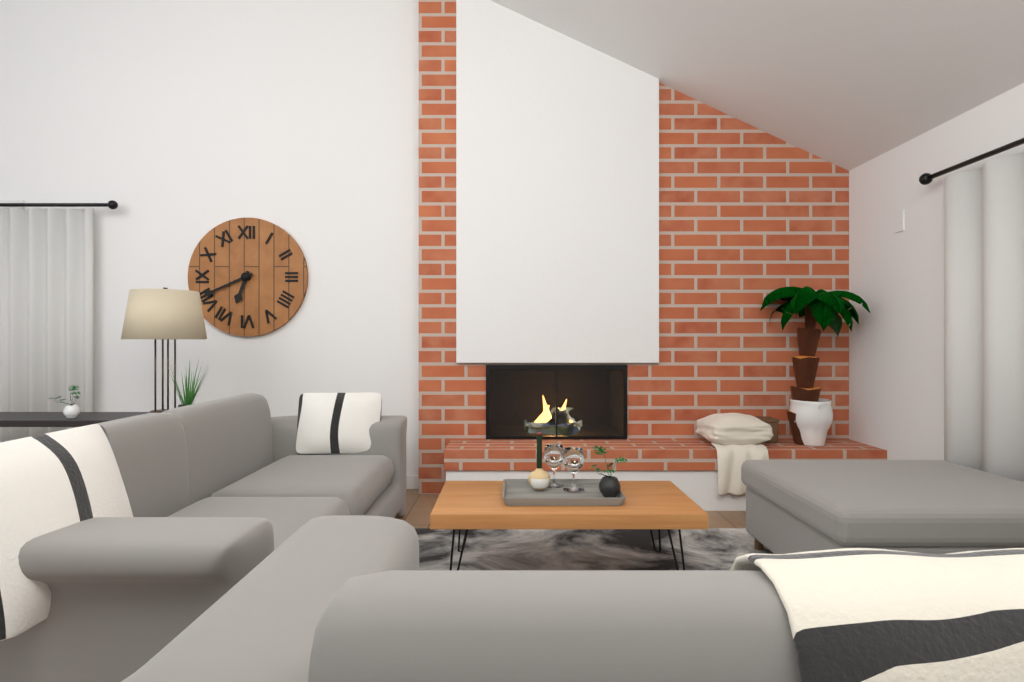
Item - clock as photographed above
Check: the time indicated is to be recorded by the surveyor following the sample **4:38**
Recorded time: **6:41**
